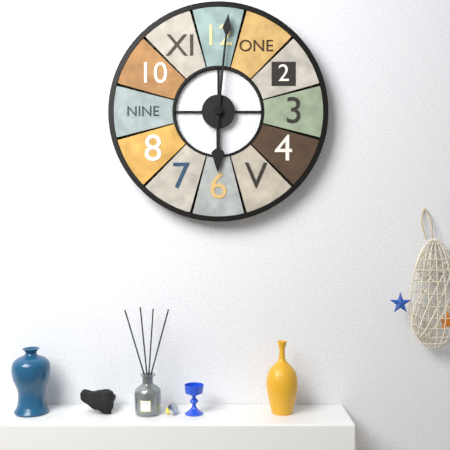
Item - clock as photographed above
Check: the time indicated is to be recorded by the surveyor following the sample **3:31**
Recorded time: **6:01**
